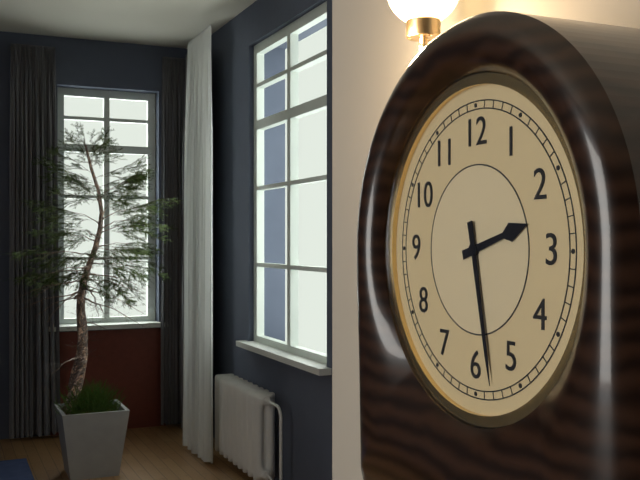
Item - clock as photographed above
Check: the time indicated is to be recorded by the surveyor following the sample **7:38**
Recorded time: **2:28**
